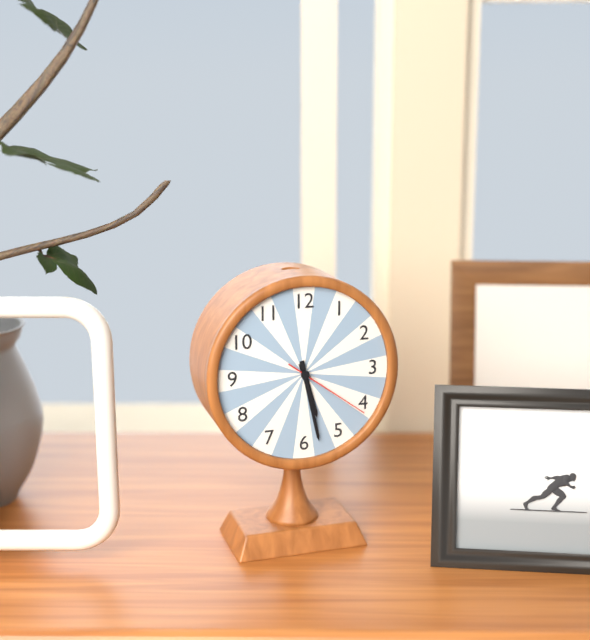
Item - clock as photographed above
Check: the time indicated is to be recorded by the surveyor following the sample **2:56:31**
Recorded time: **5:28:21**
